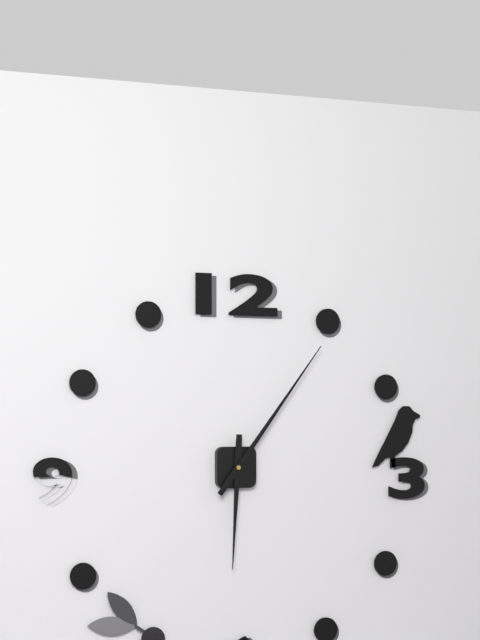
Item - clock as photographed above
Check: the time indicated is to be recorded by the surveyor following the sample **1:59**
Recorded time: **6:06**
